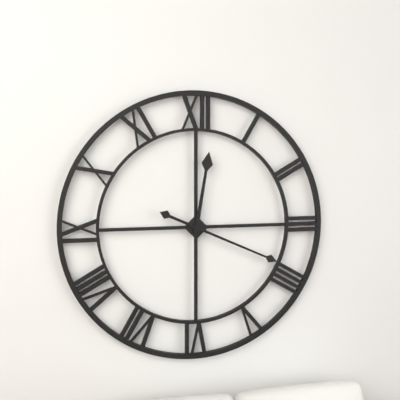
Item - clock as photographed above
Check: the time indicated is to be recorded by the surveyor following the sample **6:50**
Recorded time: **12:19**
